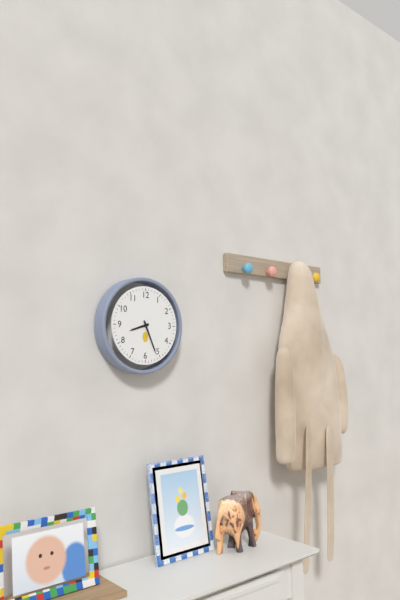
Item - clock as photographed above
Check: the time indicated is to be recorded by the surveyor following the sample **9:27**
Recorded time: **8:26**
